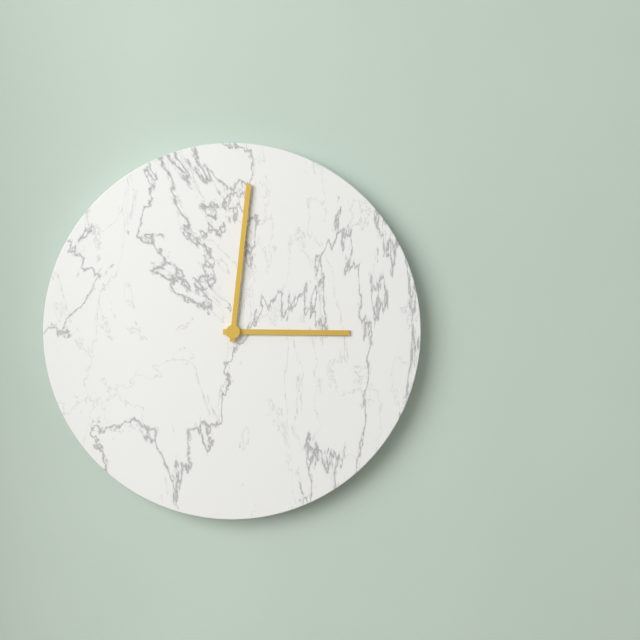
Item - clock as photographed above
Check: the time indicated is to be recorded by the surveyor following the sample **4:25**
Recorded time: **3:01**
